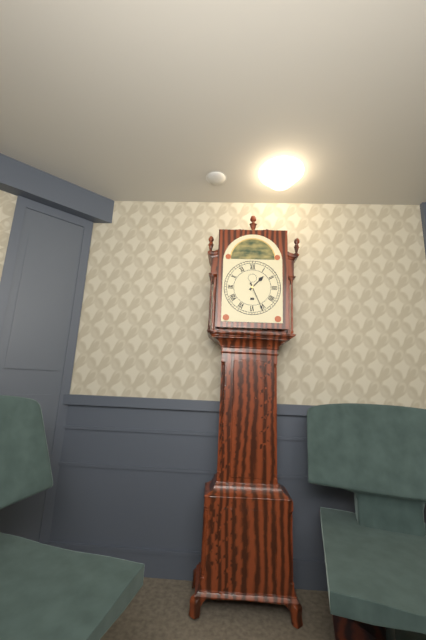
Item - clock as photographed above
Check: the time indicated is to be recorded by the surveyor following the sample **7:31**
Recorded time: **1:26**
